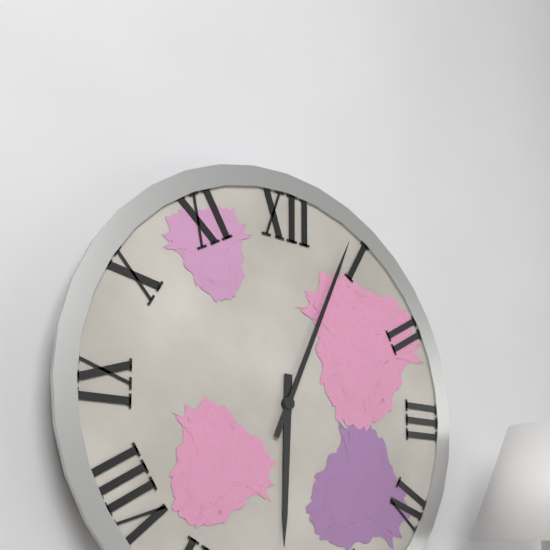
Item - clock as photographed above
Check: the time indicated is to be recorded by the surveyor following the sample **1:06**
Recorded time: **6:04**
